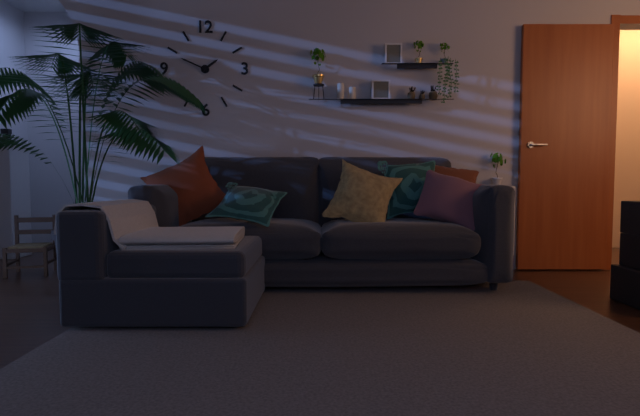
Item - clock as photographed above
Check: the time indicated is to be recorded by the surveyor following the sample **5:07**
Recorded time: **1:49**
